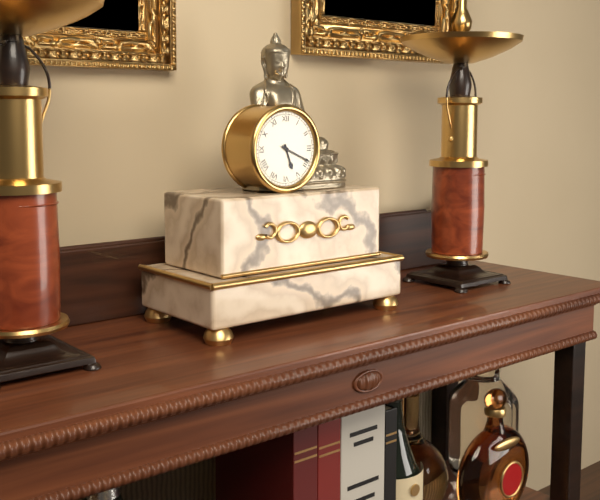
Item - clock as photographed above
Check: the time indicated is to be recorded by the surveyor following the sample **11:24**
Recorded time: **5:19**
